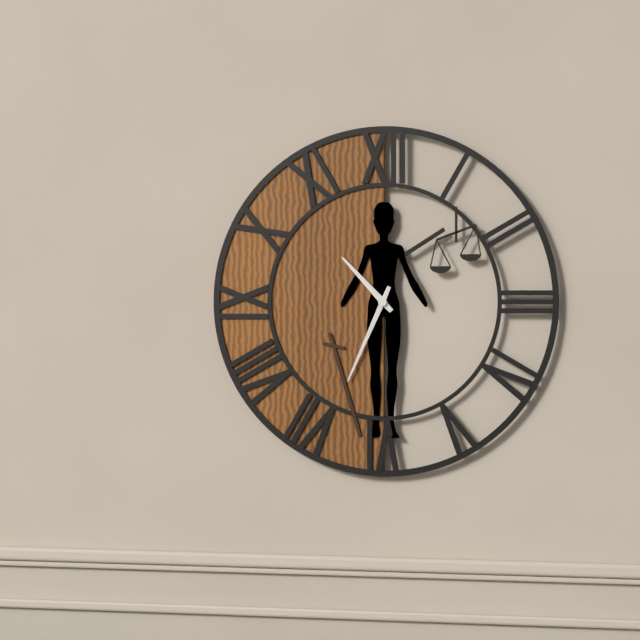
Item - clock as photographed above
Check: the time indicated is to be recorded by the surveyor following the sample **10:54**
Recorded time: **10:34**
